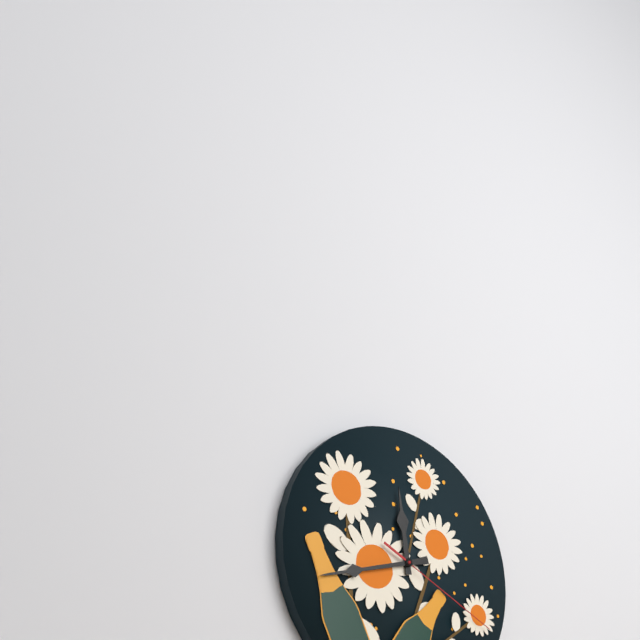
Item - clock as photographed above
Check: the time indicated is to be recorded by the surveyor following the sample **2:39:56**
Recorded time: **11:42:19**
